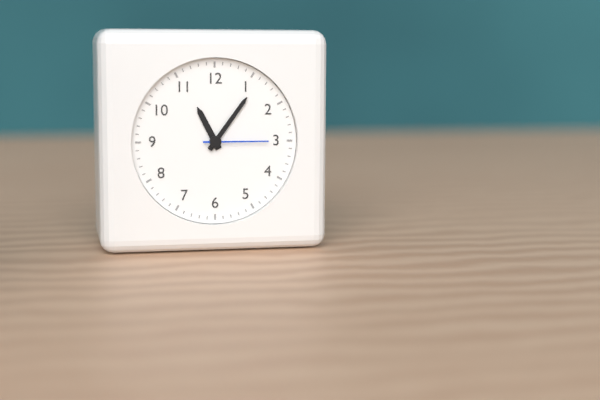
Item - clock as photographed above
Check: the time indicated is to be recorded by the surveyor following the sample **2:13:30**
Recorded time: **11:06:15**
